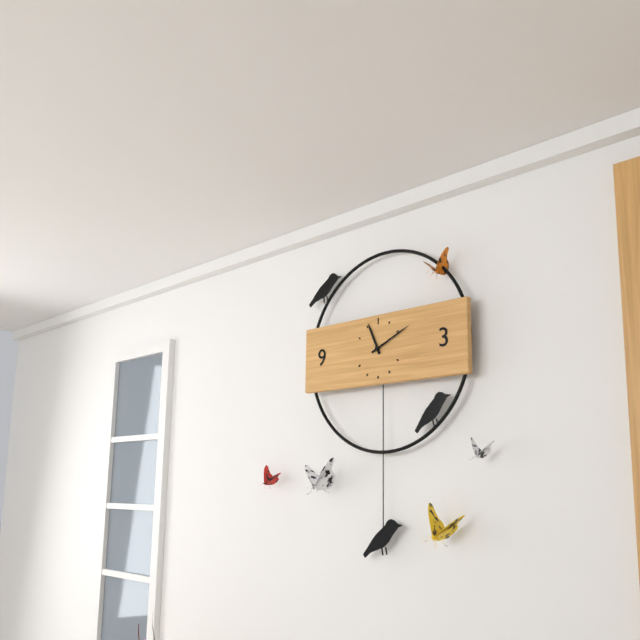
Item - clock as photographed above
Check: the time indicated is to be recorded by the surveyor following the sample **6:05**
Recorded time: **11:11**
